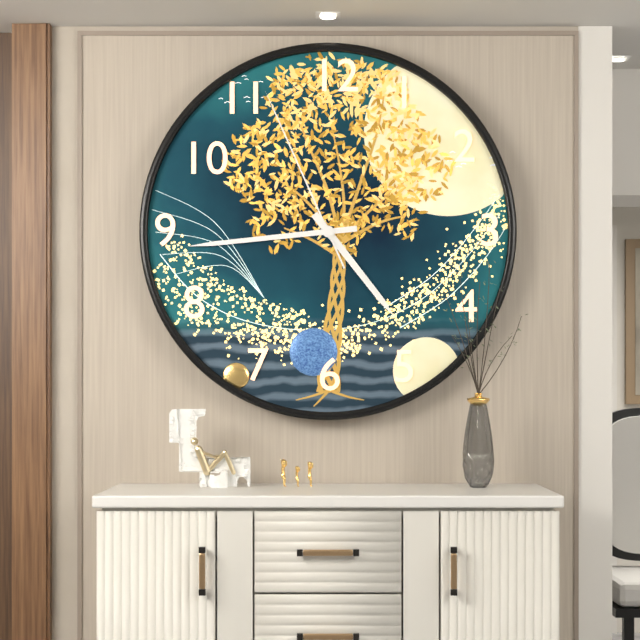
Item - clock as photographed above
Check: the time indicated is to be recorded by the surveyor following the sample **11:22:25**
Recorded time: **4:44:56**
